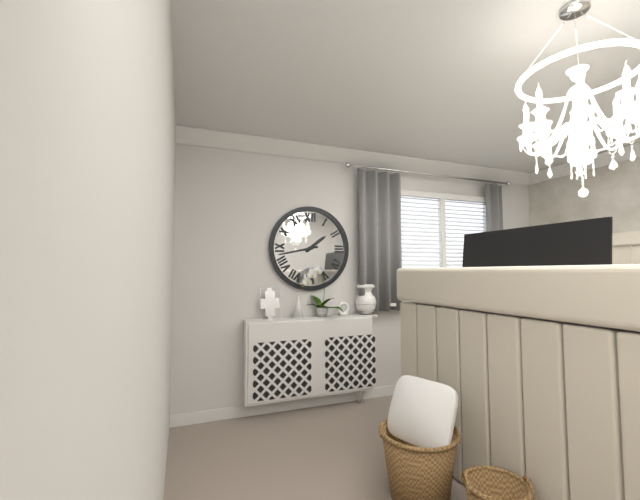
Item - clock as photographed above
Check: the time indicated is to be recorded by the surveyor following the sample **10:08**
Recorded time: **1:43**
